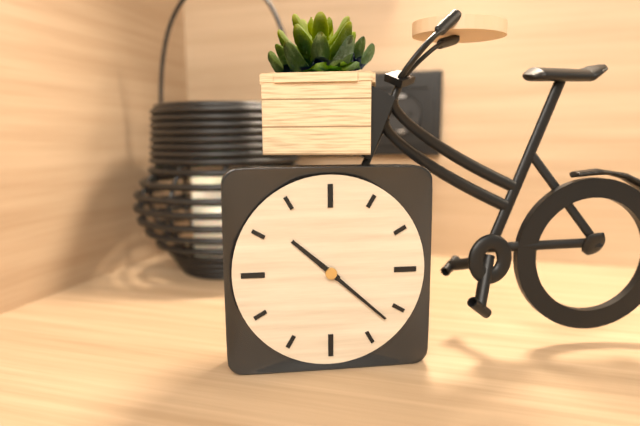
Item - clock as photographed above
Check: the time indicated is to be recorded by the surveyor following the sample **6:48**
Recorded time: **10:22**
